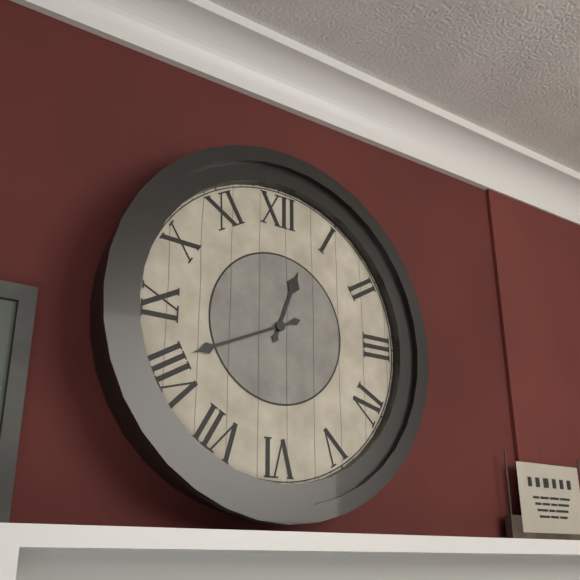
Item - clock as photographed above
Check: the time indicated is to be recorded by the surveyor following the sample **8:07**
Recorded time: **12:41**
